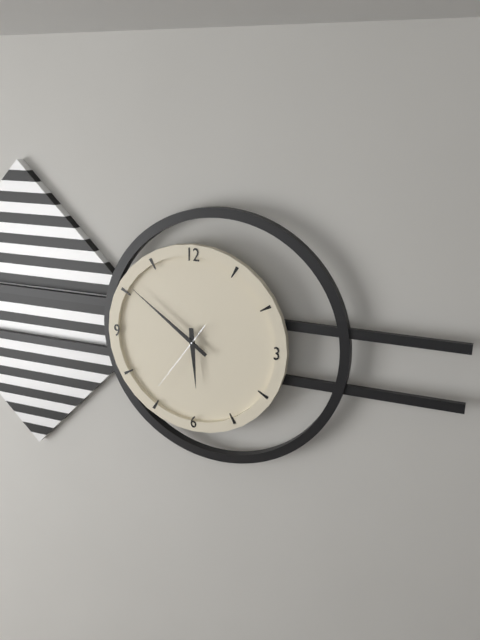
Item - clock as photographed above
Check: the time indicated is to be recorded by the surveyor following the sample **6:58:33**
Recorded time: **5:51:36**
